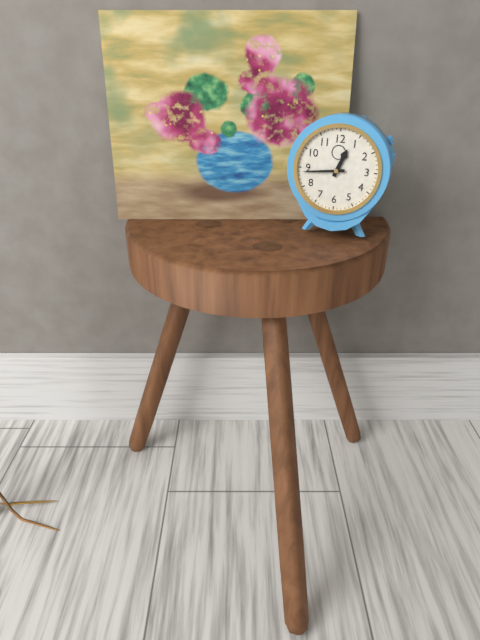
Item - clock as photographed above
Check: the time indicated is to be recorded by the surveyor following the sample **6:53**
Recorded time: **12:44**
